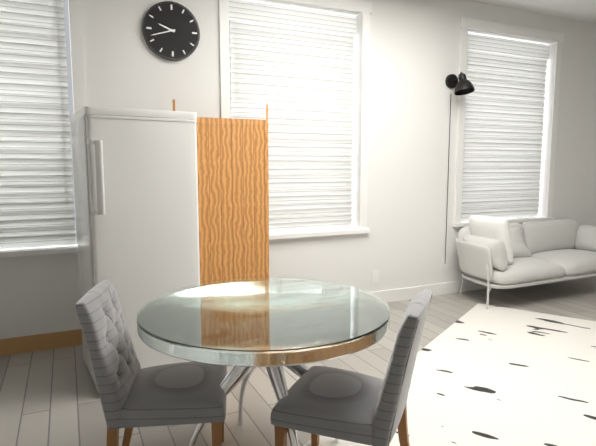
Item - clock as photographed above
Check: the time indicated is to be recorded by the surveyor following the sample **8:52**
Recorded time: **9:42**
